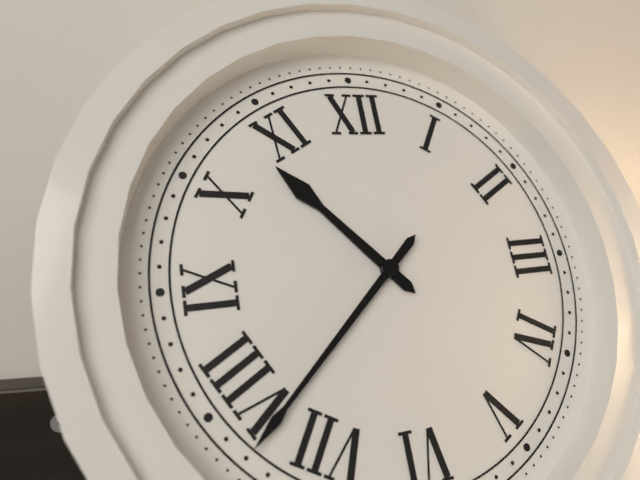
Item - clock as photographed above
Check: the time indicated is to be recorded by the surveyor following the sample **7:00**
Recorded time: **10:38**
